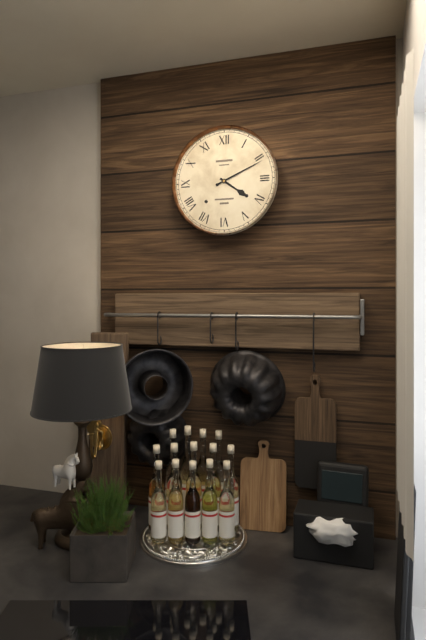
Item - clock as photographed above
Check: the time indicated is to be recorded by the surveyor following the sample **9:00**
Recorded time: **4:11**
